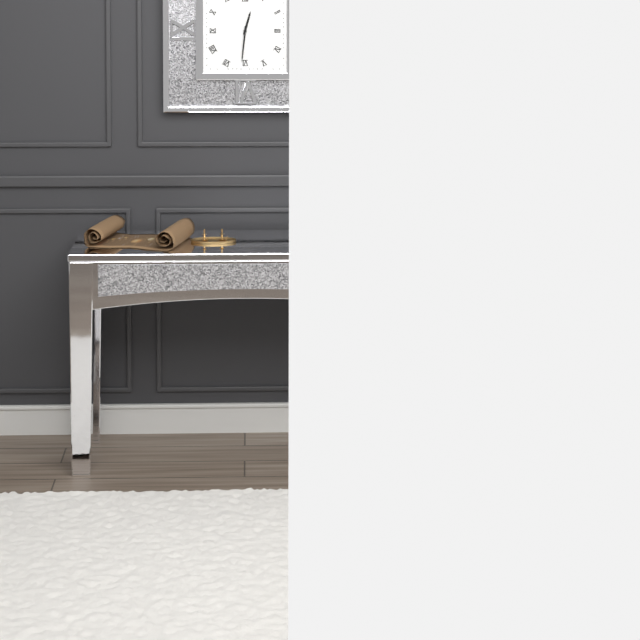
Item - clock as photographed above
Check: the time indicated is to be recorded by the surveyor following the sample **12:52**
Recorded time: **12:31**
